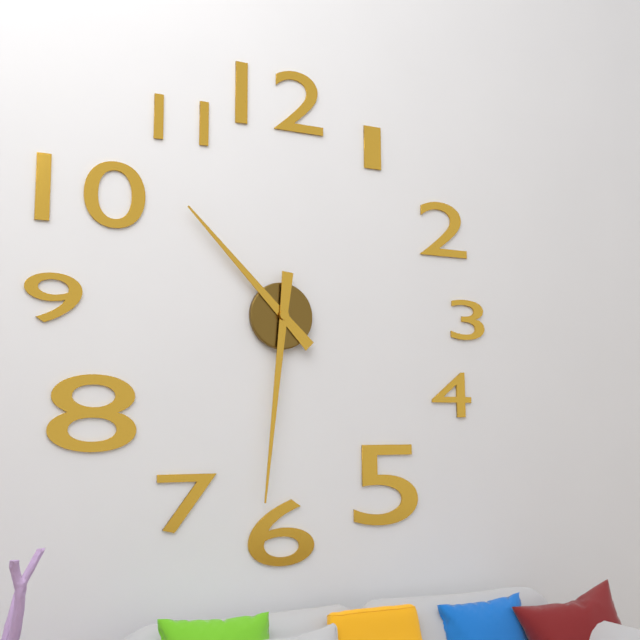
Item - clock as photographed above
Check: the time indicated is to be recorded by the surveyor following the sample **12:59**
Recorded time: **10:31**
